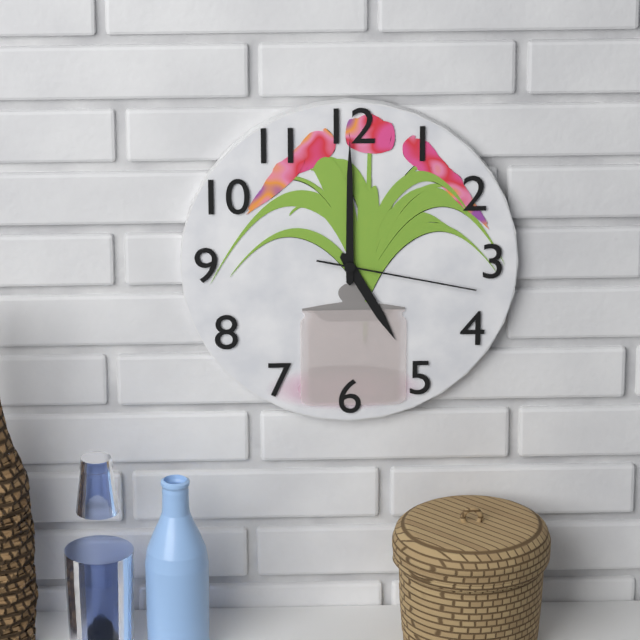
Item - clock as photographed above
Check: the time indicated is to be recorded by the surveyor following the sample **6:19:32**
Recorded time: **5:00:17**
